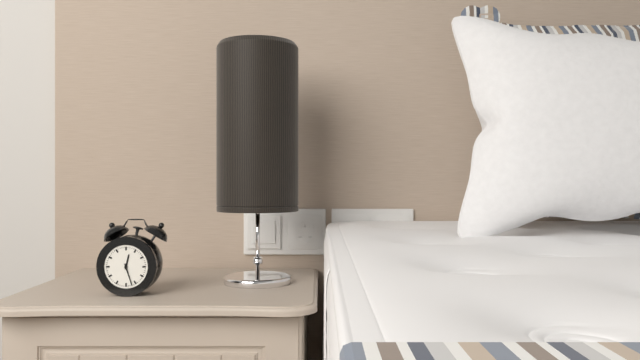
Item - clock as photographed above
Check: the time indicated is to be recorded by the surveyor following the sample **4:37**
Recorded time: **12:27**
